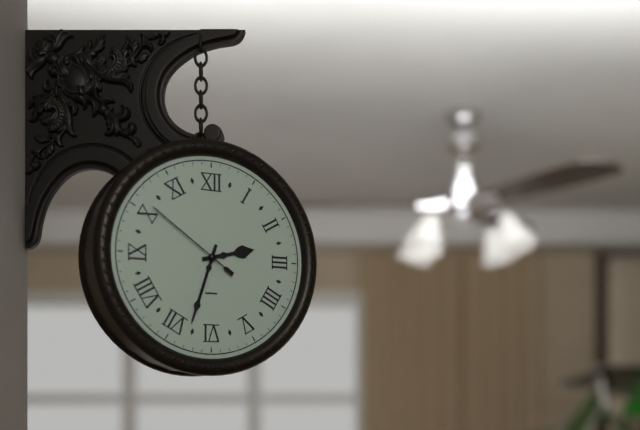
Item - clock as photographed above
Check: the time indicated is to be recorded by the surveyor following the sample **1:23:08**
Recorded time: **2:33:51**
